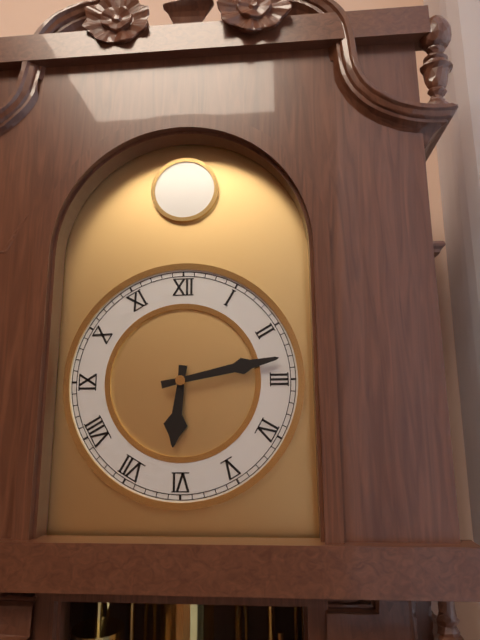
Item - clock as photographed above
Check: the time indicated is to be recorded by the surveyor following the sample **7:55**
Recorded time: **6:13**
